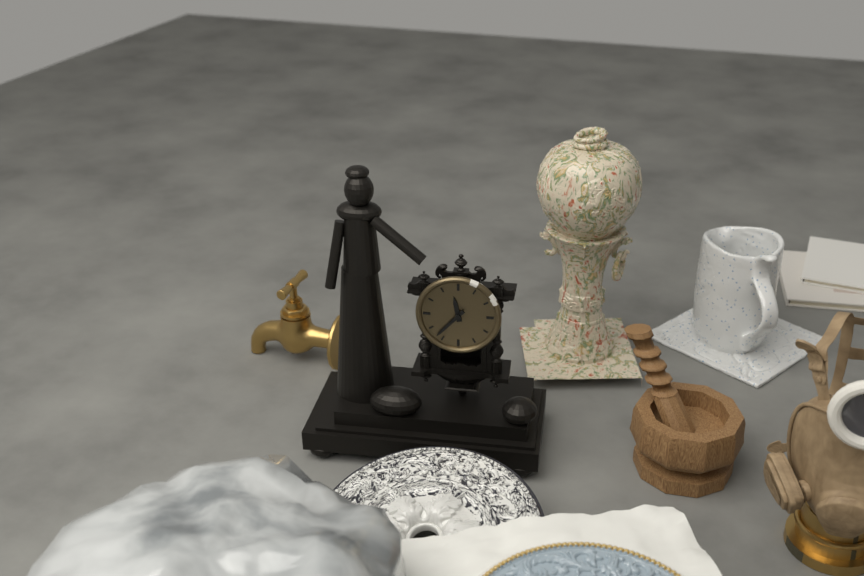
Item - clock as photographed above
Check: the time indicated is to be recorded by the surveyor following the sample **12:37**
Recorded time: **11:37**
